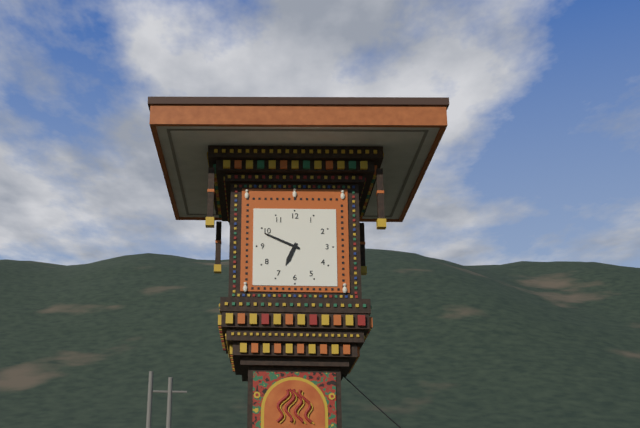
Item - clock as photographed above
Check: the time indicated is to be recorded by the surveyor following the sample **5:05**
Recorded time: **6:49**
